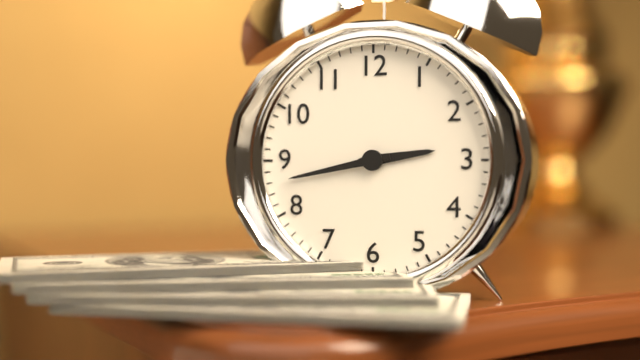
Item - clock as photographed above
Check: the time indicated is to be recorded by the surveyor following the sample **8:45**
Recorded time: **2:43**
